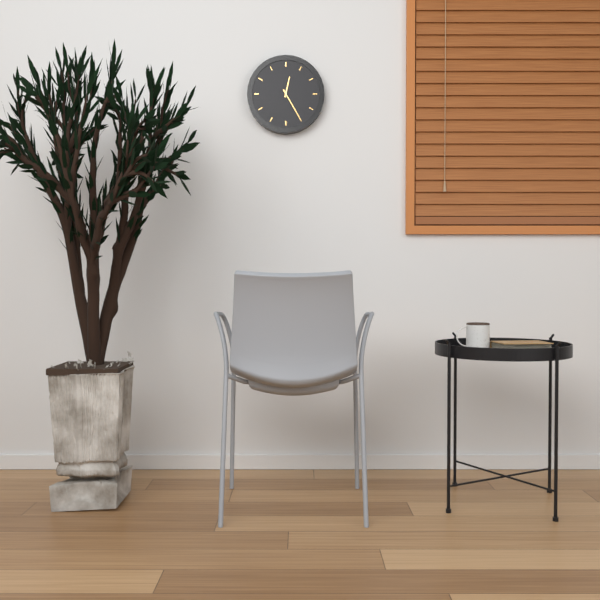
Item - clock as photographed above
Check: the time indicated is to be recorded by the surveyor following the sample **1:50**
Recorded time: **12:25**
